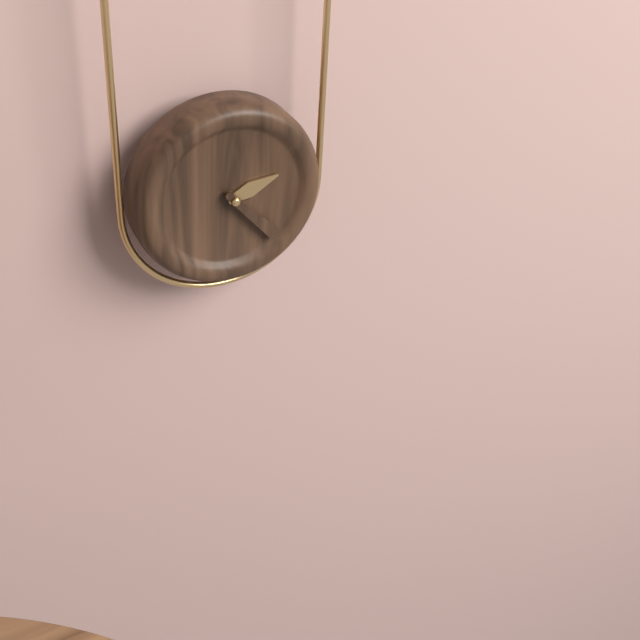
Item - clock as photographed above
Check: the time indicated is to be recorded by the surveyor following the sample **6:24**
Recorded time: **2:23**
